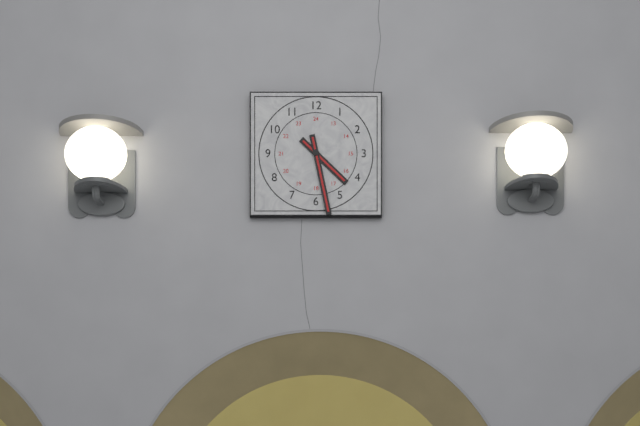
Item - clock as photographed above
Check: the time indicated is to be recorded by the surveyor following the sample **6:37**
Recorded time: **4:28**
